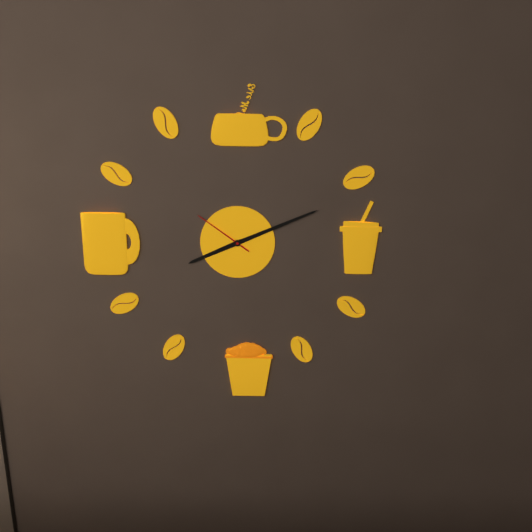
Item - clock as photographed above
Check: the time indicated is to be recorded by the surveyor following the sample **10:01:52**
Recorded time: **8:11:51**
